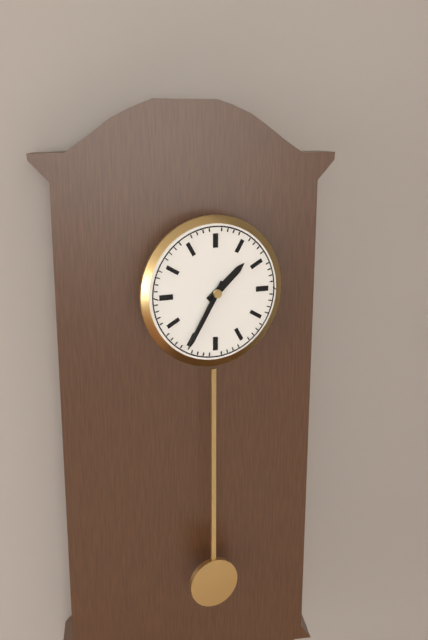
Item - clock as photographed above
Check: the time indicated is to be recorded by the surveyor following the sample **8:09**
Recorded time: **1:35**
